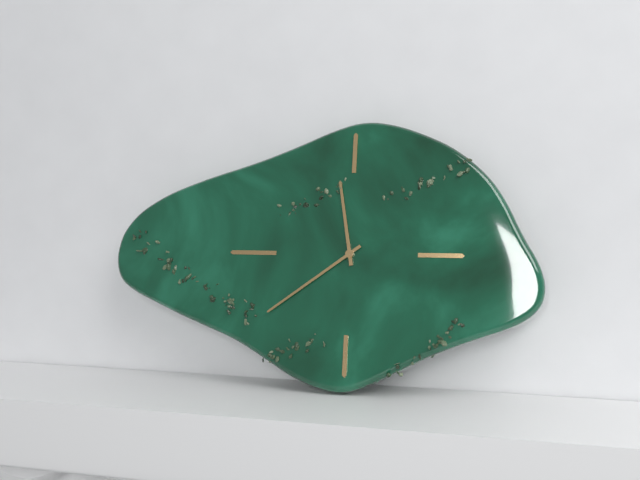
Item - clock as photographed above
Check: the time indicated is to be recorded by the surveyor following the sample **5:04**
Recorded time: **11:39**
